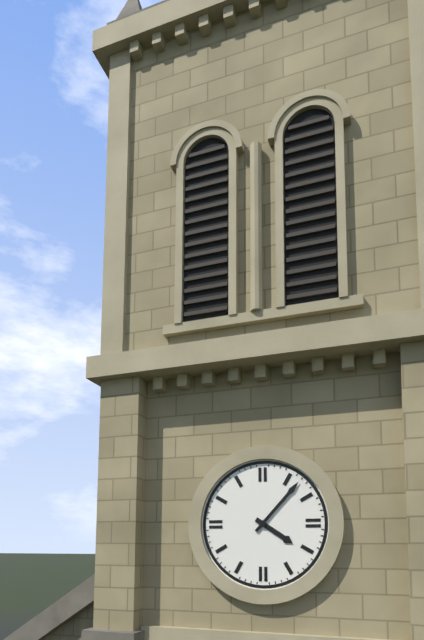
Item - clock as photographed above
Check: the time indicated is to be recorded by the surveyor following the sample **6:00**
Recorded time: **4:07**
